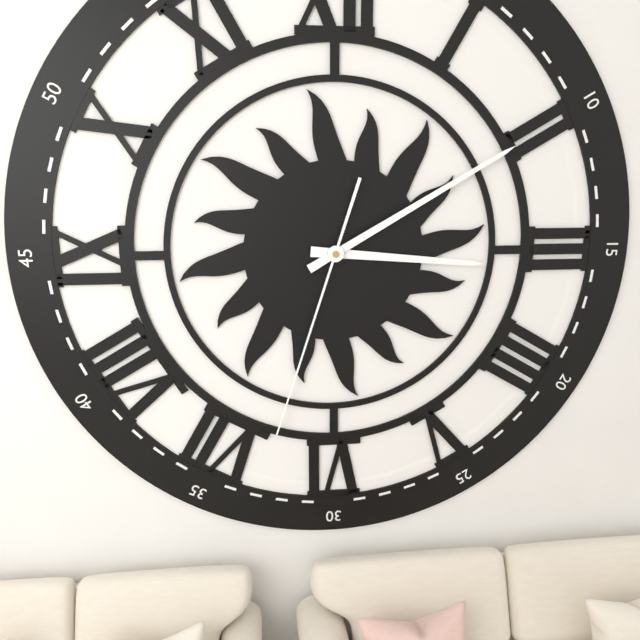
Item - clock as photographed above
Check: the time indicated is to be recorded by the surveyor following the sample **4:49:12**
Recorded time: **3:10:33**
